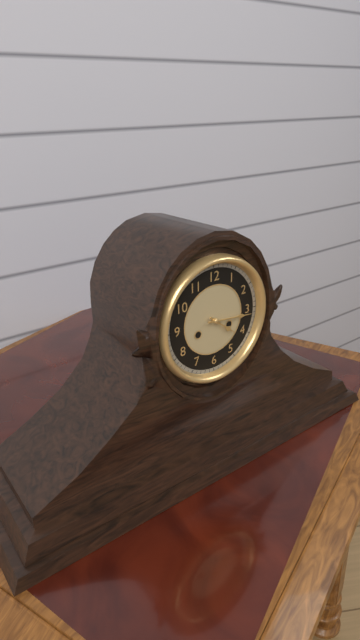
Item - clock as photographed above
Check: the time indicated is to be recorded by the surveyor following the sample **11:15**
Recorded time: **4:16**
